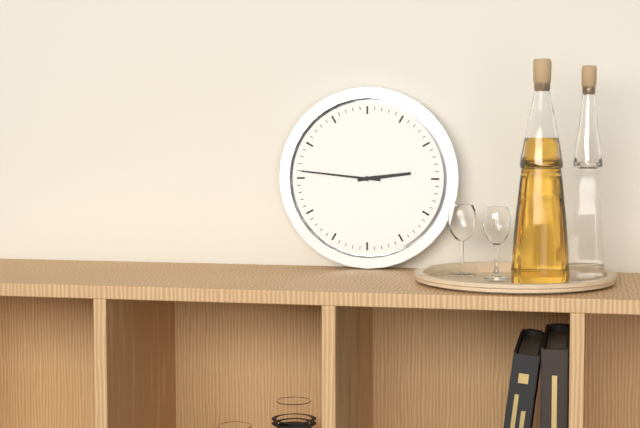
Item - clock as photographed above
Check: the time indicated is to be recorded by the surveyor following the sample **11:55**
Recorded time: **2:46**
